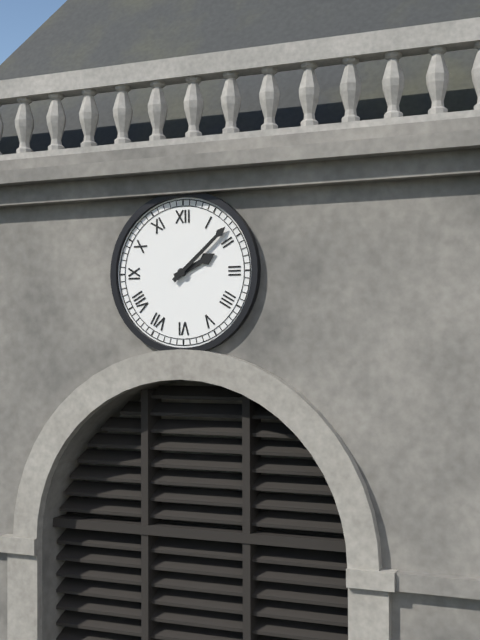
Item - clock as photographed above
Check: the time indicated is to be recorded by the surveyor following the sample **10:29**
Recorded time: **2:08**
